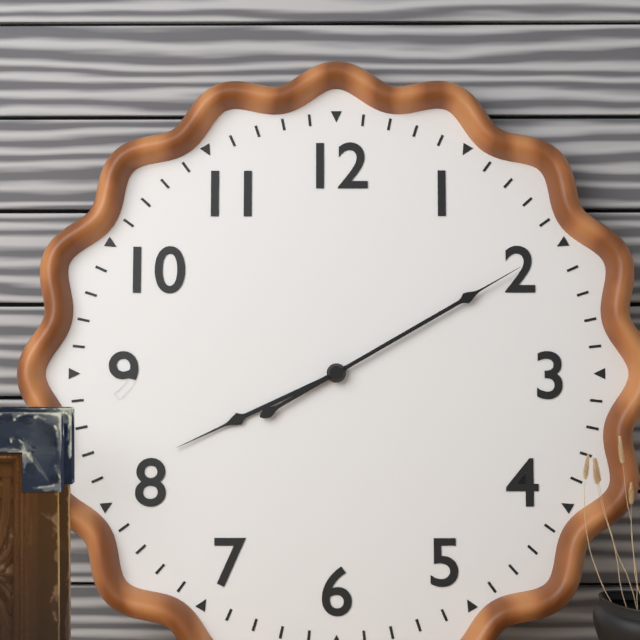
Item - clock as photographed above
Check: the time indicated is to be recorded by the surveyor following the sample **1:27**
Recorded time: **8:10**
